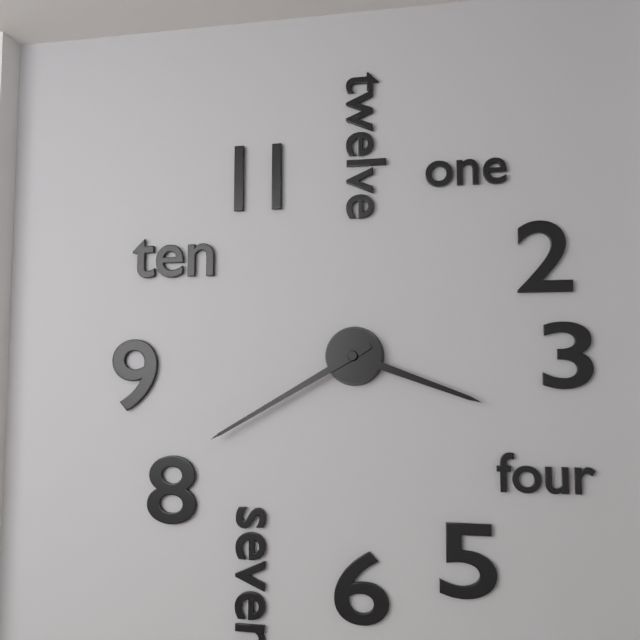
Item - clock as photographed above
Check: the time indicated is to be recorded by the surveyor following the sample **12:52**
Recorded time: **3:40**
